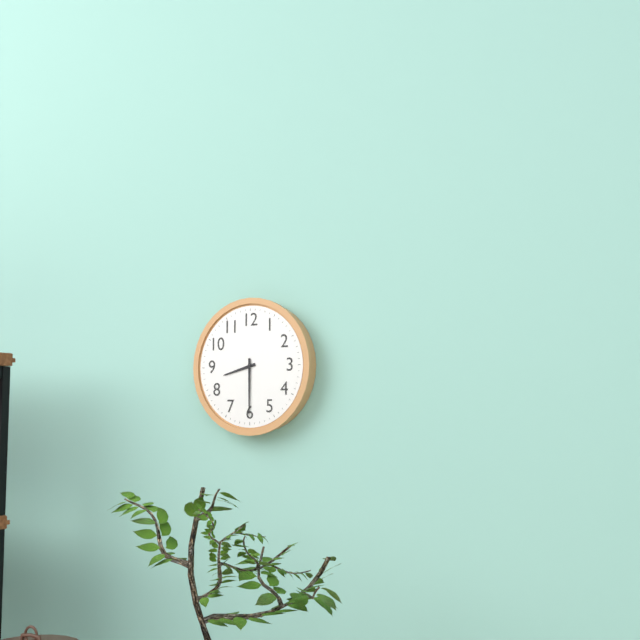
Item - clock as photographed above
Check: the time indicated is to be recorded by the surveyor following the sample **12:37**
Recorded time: **8:30**
